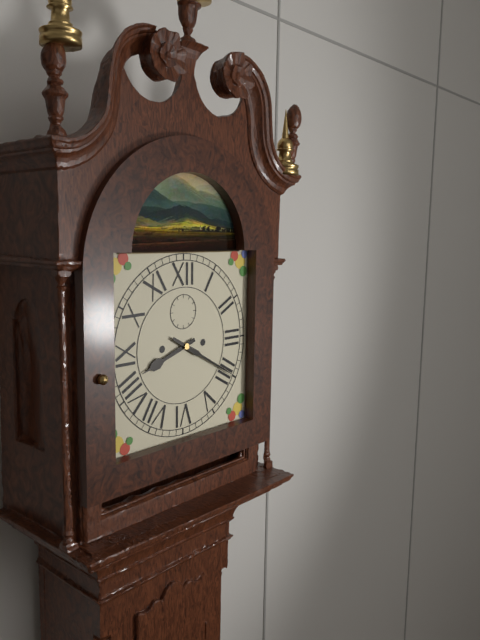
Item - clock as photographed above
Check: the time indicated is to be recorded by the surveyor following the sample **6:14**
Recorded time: **8:20**
